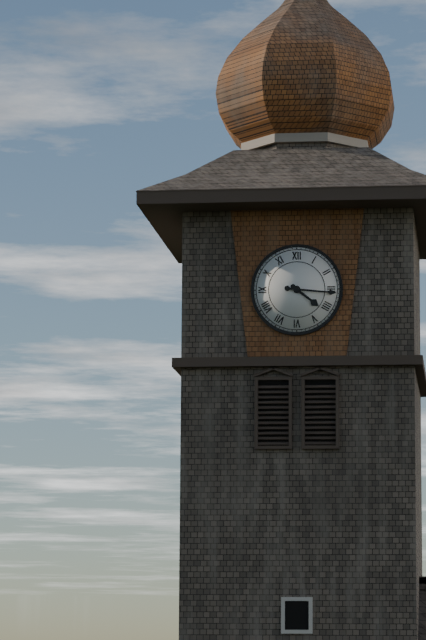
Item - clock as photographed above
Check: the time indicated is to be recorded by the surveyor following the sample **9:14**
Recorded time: **4:16**
